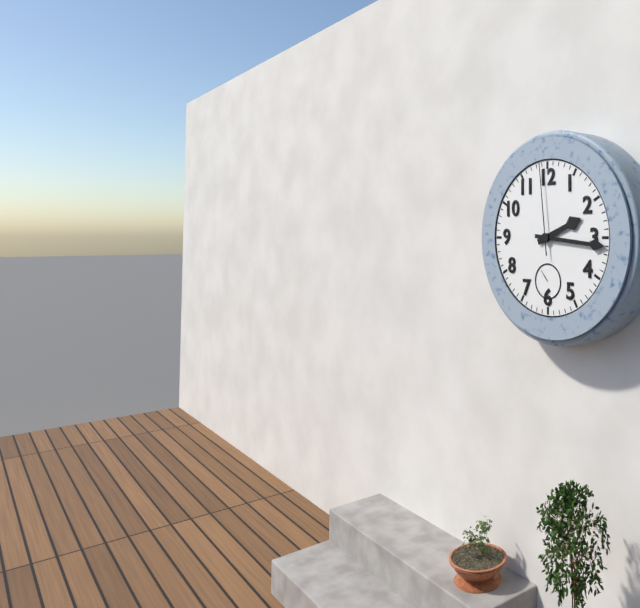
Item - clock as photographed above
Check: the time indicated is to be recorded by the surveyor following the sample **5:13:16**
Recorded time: **2:16:59**
